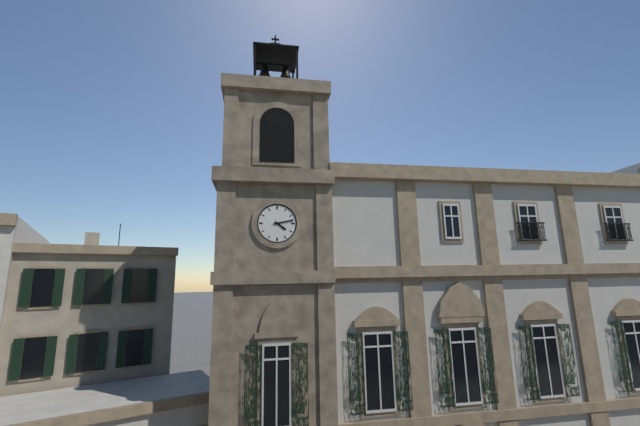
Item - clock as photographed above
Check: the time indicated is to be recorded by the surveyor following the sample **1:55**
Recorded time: **4:13**
